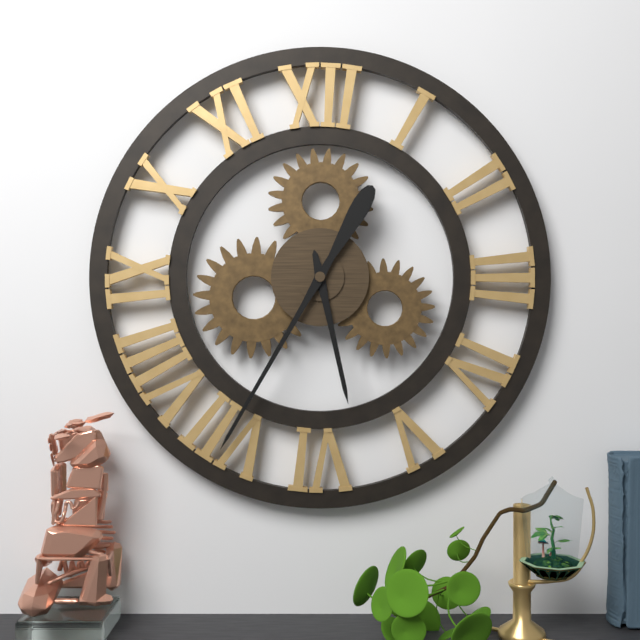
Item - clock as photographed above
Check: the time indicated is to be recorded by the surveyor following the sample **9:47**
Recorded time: **5:35**
